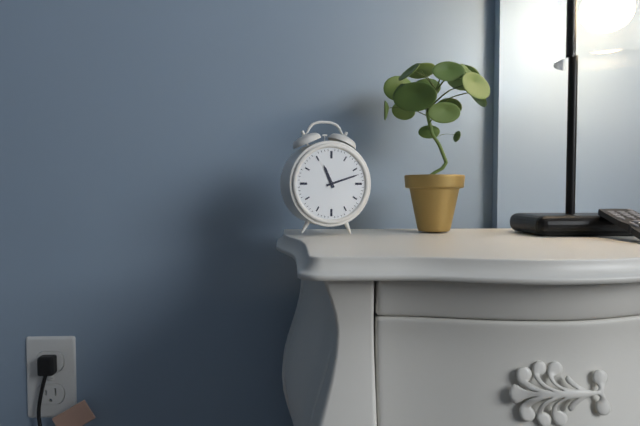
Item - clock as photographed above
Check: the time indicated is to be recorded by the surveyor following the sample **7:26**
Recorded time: **11:12**
